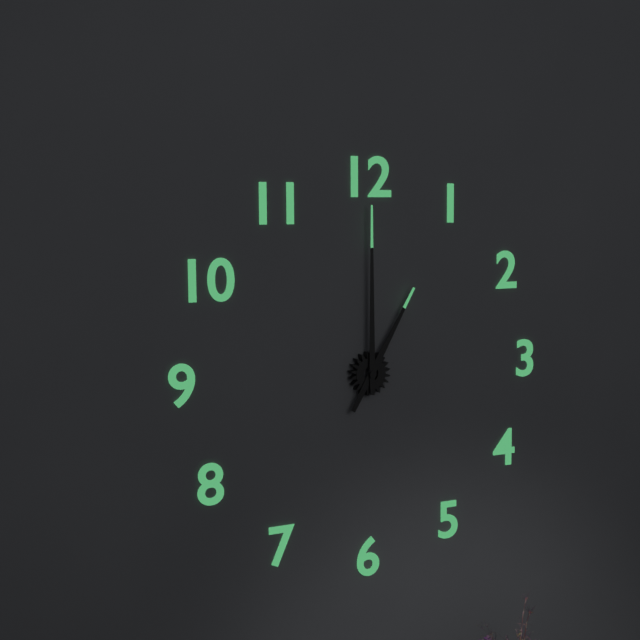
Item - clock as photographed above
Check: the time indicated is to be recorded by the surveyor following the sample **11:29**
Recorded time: **1:00**
